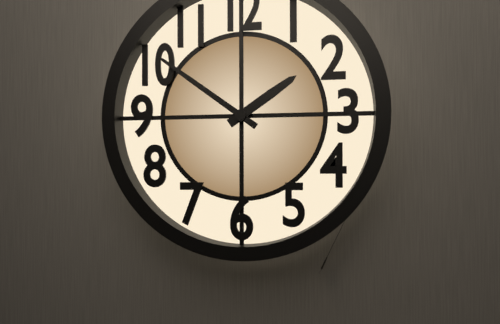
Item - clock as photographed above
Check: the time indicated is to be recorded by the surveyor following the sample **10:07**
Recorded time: **1:51**
